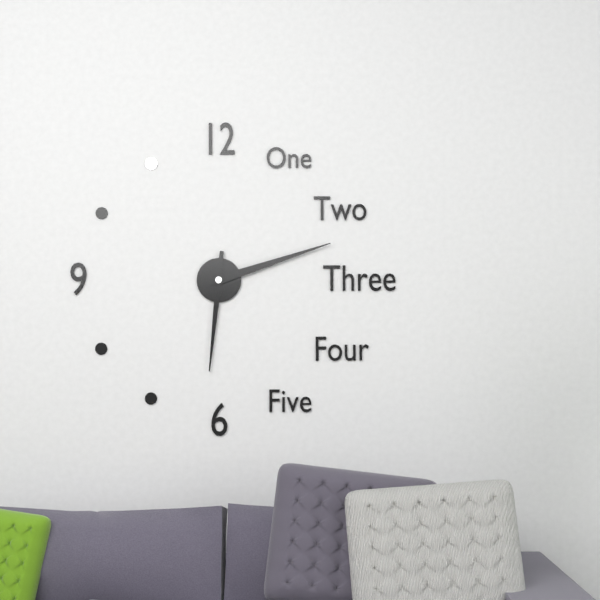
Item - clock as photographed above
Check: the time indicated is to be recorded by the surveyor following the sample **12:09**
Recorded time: **6:12**
